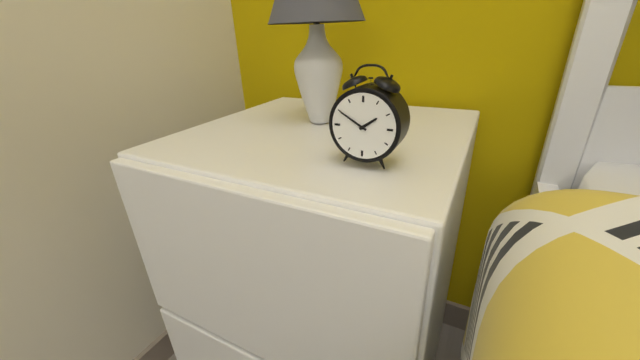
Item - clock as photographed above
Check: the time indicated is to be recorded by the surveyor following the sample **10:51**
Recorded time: **1:50**
